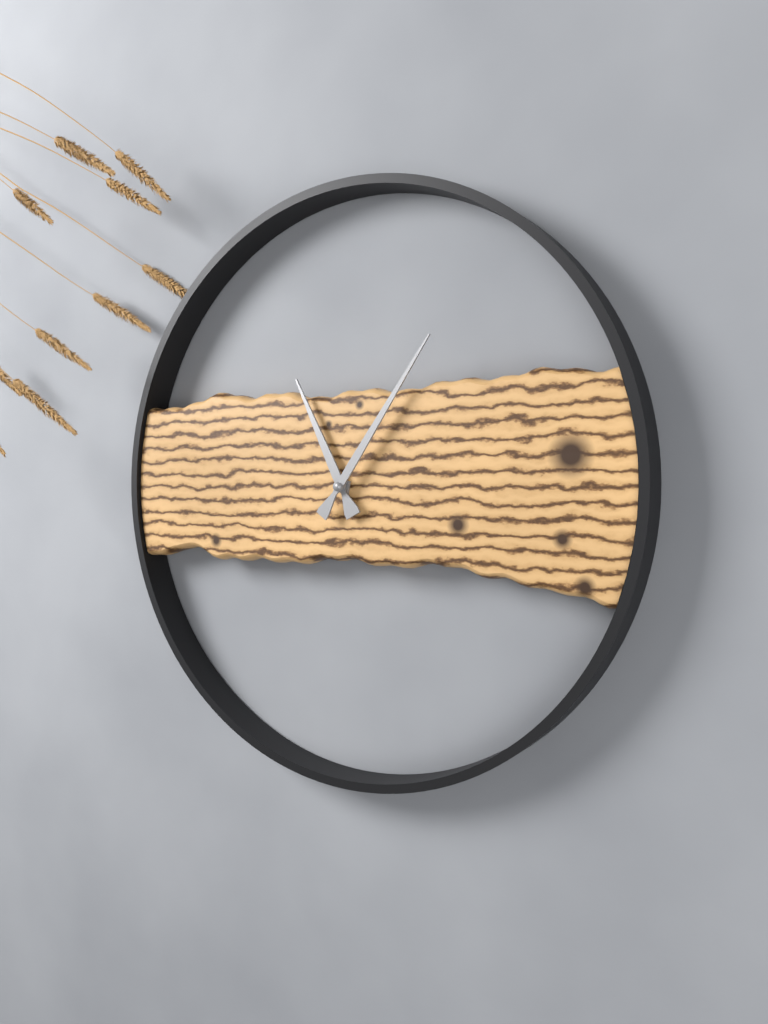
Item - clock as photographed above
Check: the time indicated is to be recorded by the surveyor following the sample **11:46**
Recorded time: **11:06**
